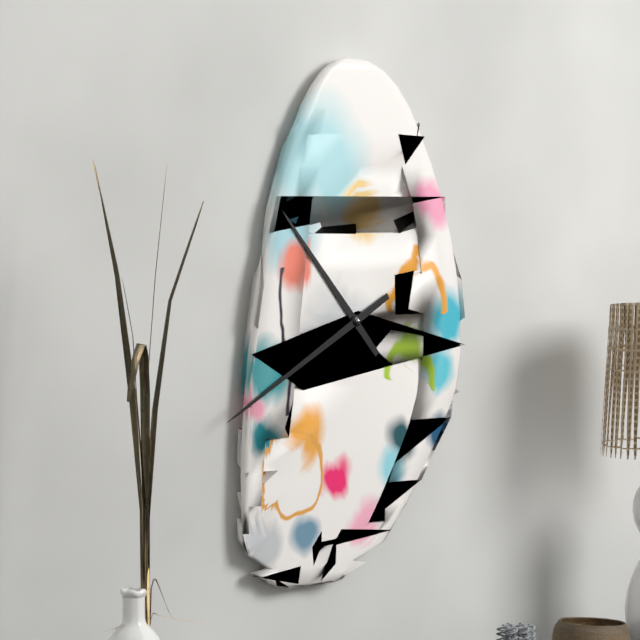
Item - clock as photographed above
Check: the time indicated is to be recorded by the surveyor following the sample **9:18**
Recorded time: **10:40**
